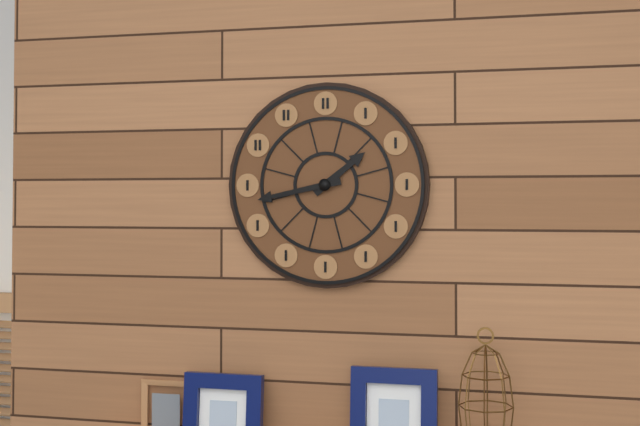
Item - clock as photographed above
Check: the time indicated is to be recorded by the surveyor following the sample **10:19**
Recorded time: **1:43**
